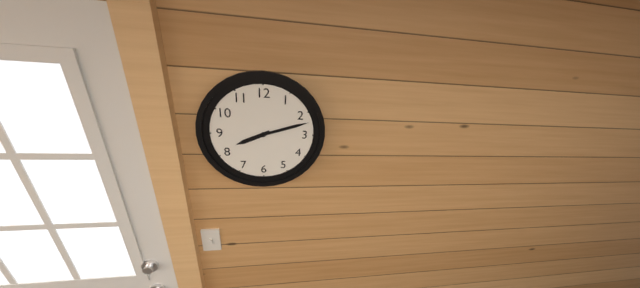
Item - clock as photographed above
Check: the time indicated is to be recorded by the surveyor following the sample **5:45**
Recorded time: **8:12**
